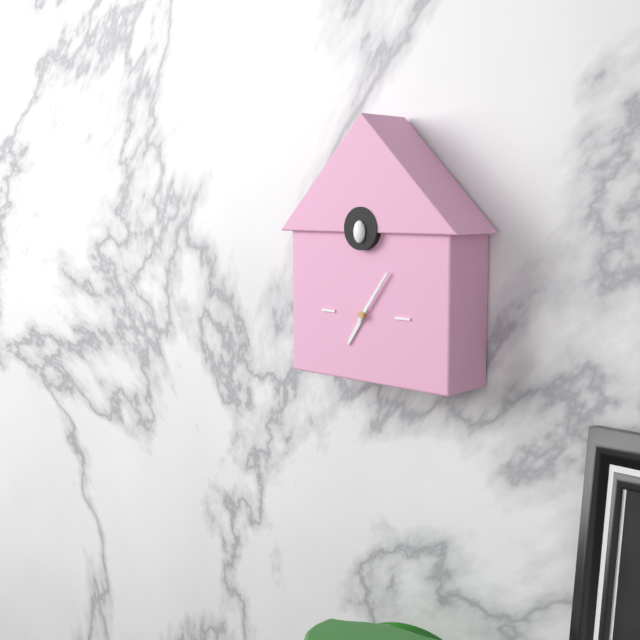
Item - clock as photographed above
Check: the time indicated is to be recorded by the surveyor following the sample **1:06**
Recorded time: **7:06**
